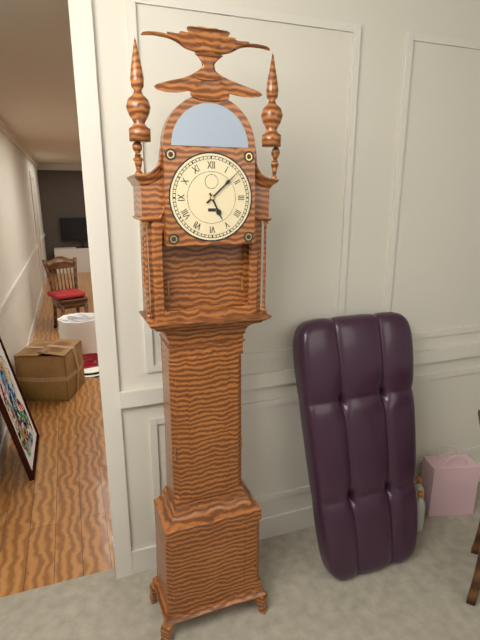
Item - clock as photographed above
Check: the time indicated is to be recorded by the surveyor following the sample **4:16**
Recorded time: **5:08**
